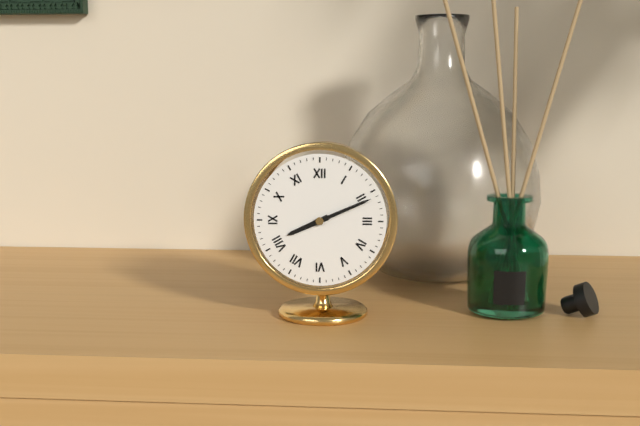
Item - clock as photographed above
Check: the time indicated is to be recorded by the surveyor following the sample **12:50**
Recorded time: **8:11**
